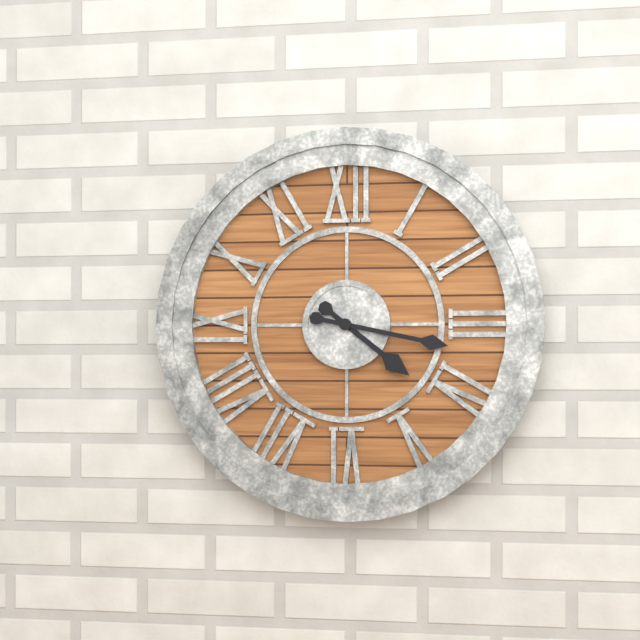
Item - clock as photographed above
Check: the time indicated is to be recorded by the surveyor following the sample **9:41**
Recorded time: **4:17**
